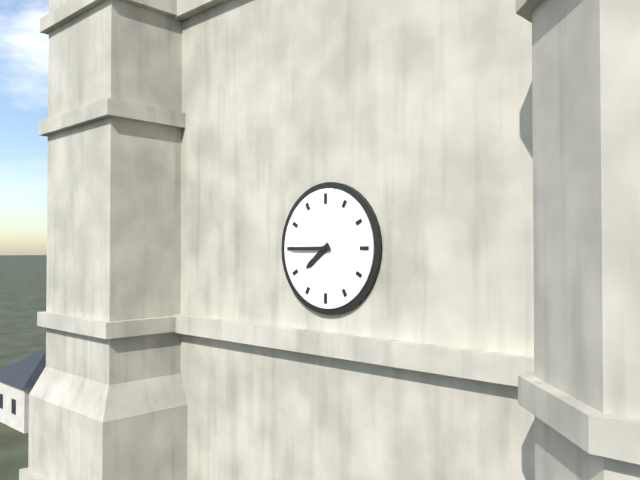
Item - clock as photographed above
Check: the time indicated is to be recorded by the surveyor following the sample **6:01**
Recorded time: **7:45**
